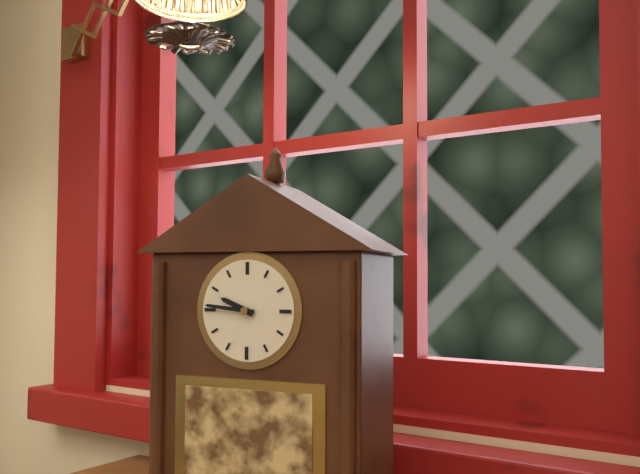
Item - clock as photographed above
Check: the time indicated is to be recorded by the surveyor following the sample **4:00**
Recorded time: **9:46**
